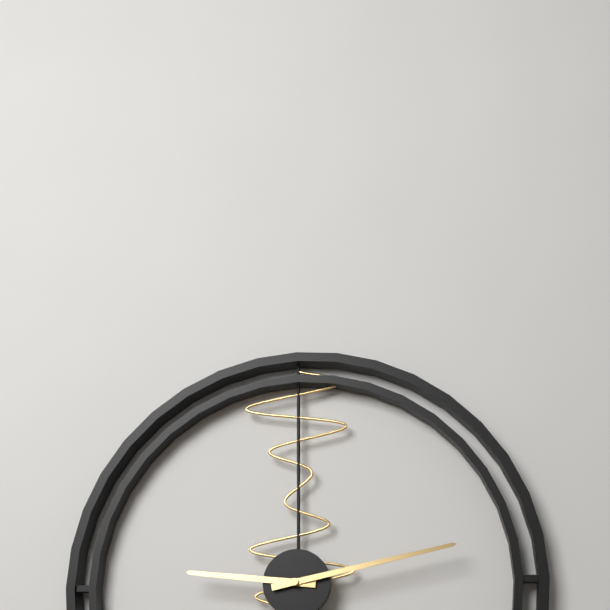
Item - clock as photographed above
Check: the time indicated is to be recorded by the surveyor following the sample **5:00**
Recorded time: **9:13**
